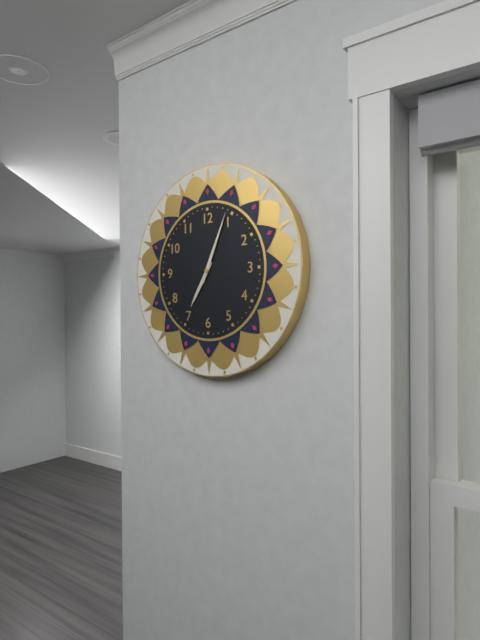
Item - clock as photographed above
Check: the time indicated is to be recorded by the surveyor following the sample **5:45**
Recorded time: **7:04**
